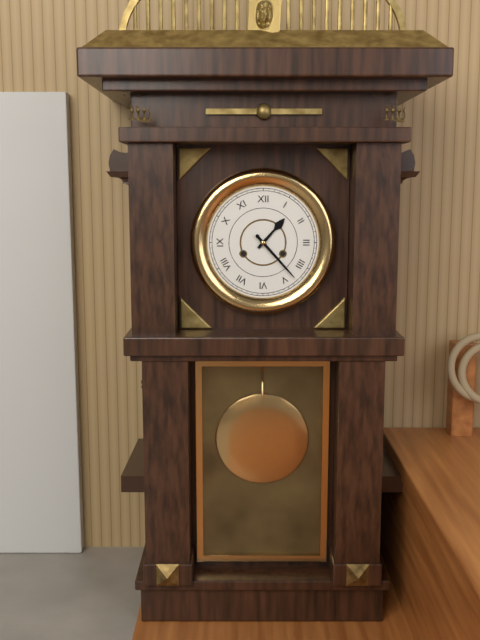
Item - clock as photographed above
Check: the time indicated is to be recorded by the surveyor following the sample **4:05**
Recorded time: **1:23**
